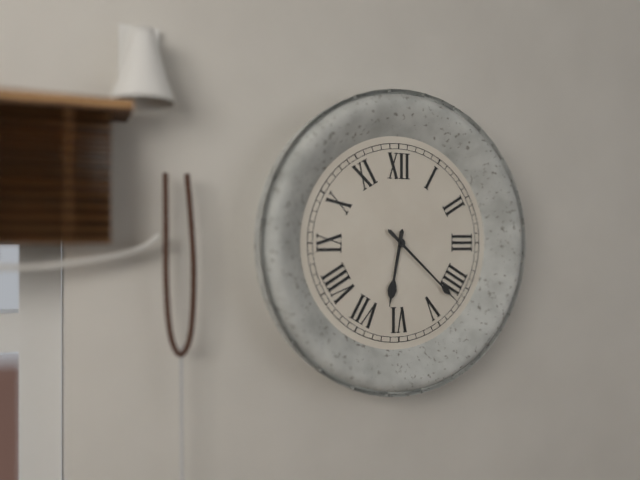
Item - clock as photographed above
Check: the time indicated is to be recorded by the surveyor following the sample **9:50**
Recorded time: **6:22**
